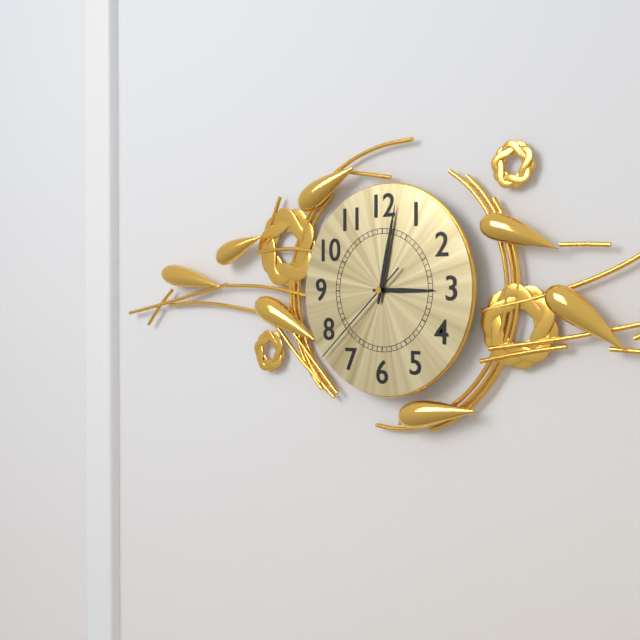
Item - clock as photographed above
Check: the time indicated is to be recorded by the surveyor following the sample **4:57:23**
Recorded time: **3:02:38**
